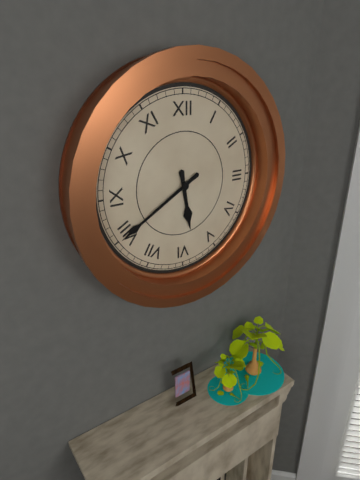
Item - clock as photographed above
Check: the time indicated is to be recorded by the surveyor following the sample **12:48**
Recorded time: **5:40**
